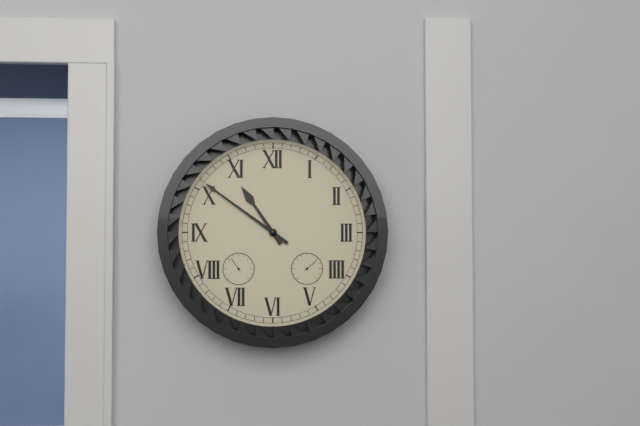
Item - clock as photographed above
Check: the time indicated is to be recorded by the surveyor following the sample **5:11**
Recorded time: **10:51**
